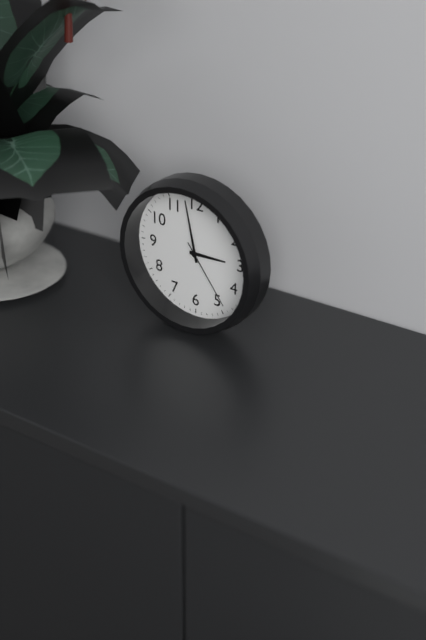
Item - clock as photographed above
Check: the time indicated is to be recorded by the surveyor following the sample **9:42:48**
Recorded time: **2:58:24**
